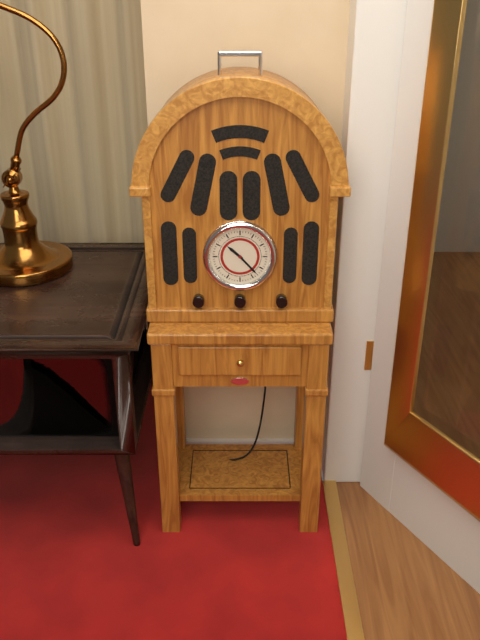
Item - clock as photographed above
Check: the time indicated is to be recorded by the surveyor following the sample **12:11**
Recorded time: **10:23**
